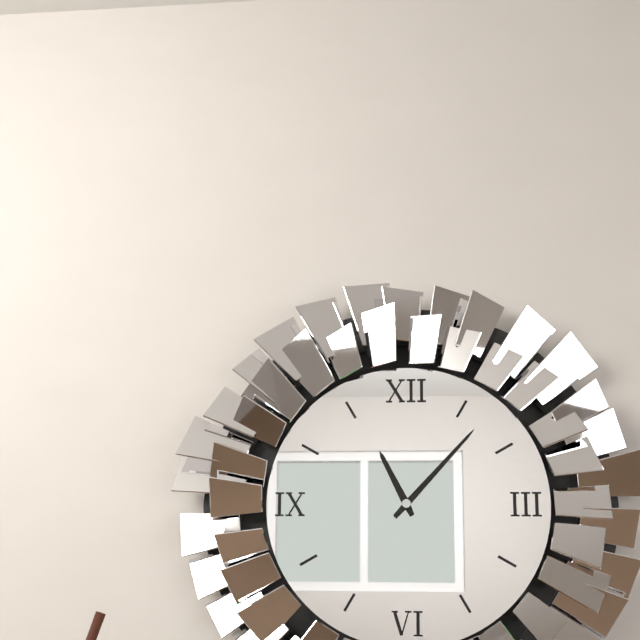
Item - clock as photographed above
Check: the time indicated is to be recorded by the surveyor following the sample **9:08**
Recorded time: **11:07**
